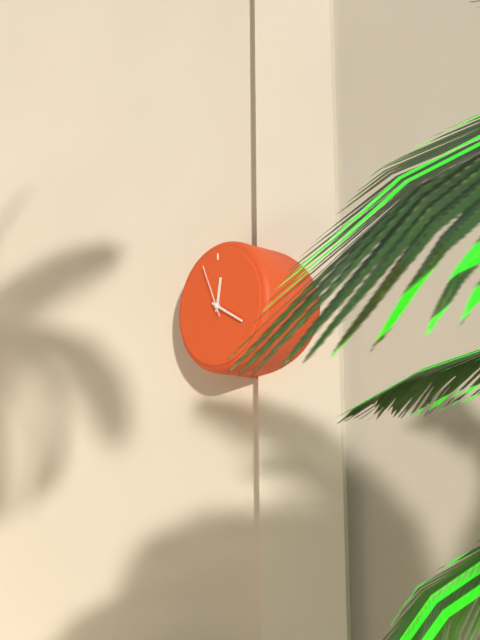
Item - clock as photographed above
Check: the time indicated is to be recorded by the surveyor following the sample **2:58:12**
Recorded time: **12:20:56**
